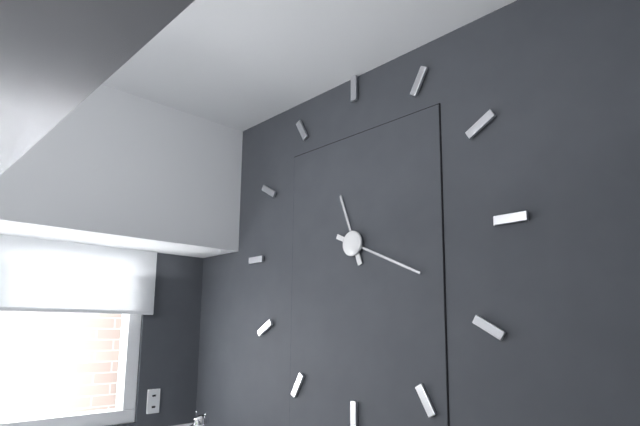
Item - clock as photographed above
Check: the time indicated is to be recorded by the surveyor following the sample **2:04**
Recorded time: **11:19**
